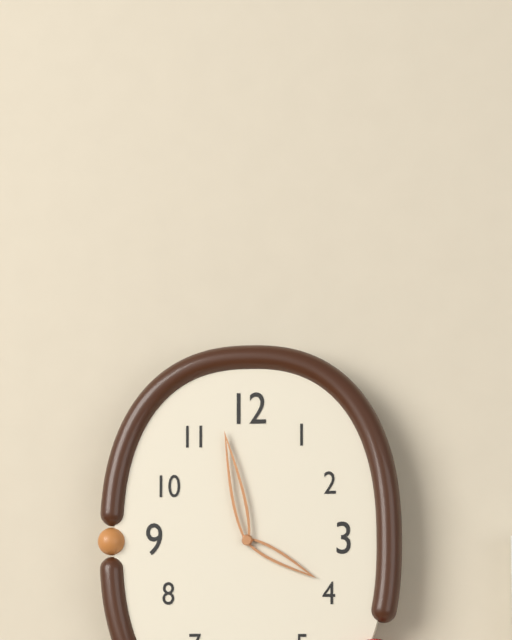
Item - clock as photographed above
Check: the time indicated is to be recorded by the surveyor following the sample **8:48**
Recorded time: **3:58**
